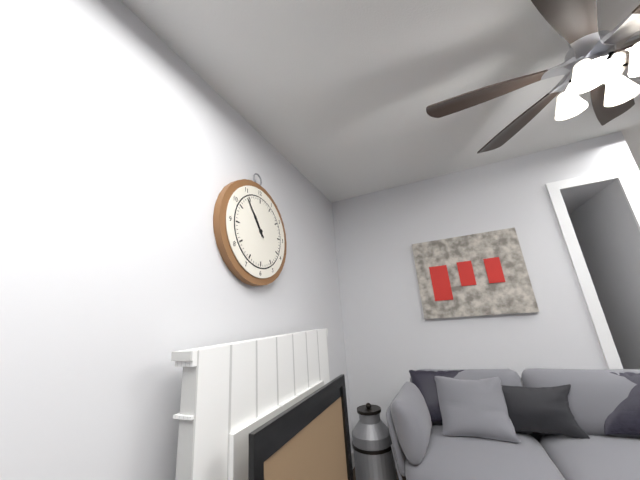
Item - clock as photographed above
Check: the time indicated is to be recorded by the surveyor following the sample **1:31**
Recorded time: **10:54**
